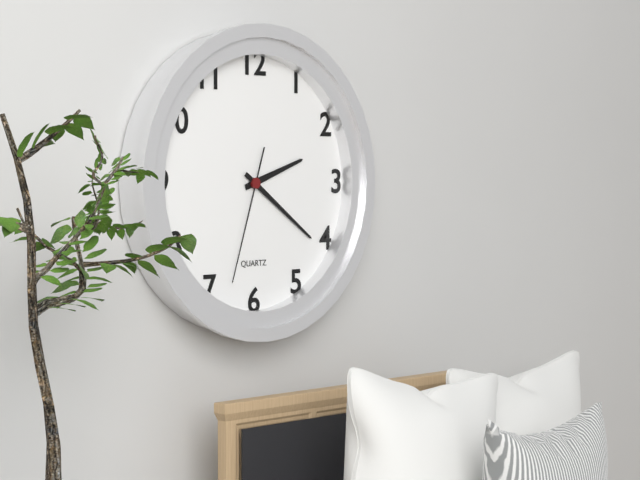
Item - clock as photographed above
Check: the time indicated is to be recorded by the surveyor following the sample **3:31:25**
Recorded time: **2:21:33**
